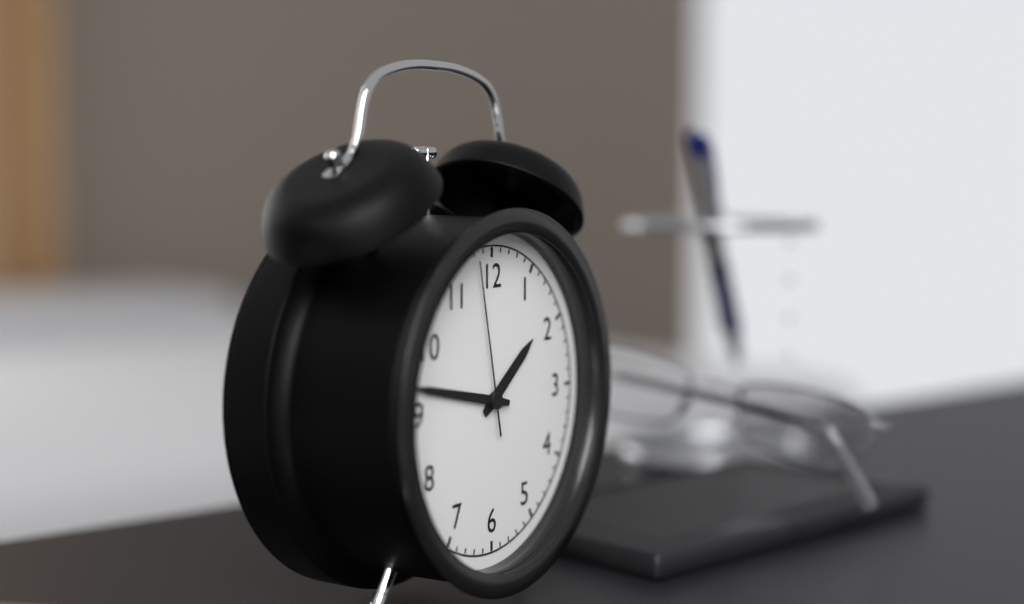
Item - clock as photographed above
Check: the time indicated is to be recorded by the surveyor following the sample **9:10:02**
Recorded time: **1:47:58**
